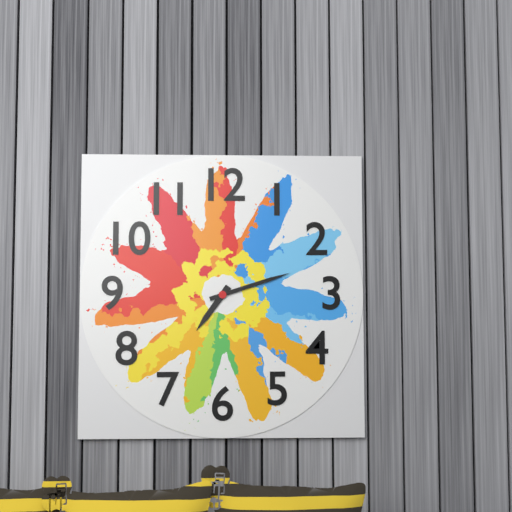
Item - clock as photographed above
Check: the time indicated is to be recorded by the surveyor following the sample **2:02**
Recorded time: **7:12**
